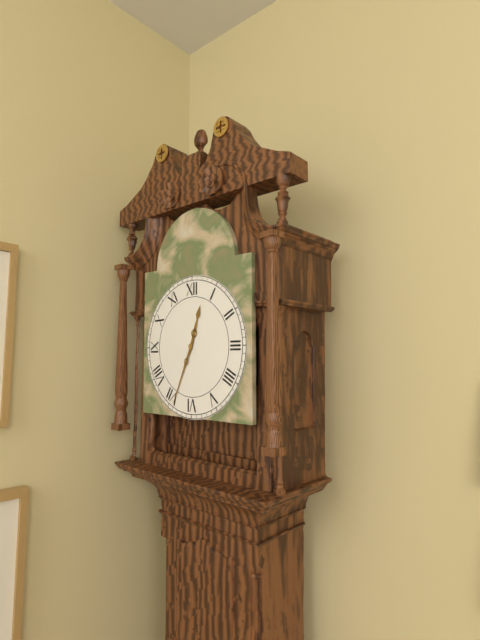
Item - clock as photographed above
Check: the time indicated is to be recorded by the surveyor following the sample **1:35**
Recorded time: **12:34**
